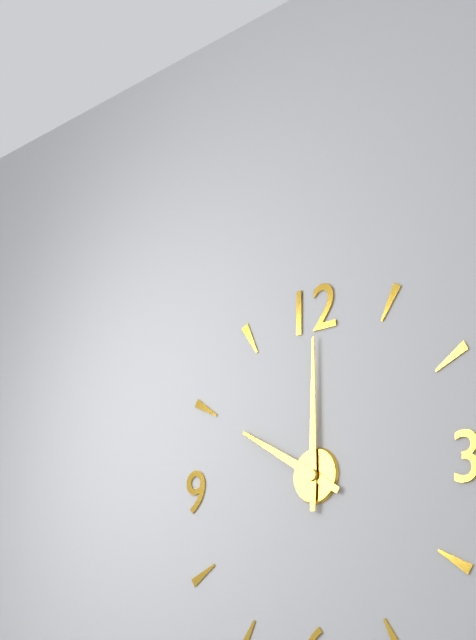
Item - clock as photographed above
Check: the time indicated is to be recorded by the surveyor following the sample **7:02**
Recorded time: **10:00**
